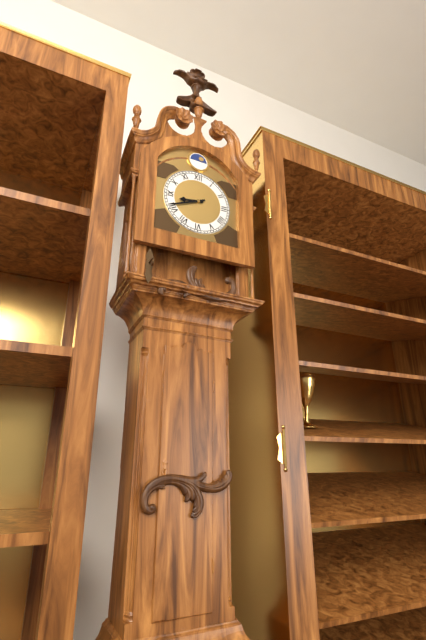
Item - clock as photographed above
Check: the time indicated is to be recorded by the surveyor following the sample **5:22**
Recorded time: **8:41**
